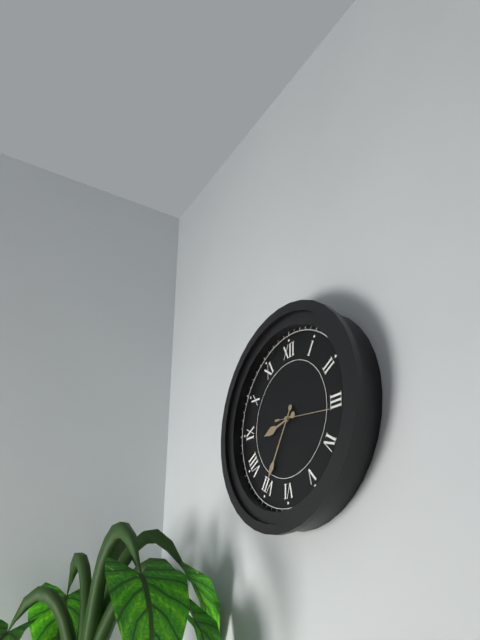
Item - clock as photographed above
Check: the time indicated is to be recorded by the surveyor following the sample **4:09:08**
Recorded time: **8:35:16**
